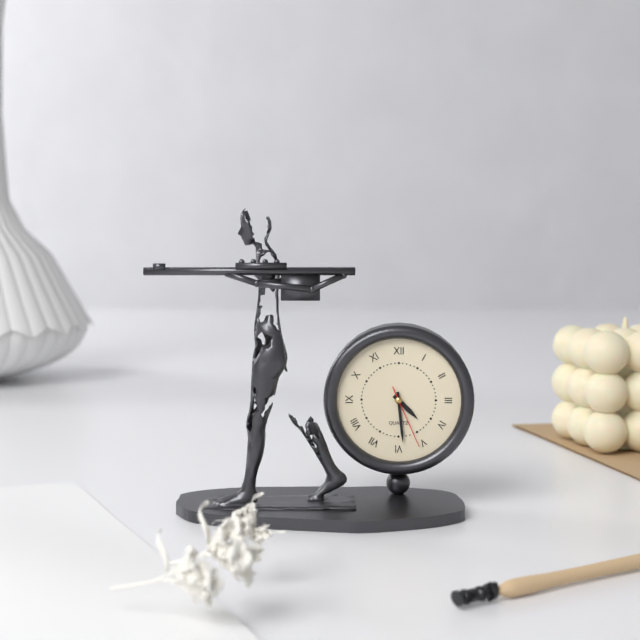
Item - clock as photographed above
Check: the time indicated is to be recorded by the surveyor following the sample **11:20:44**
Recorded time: **4:29:26**
